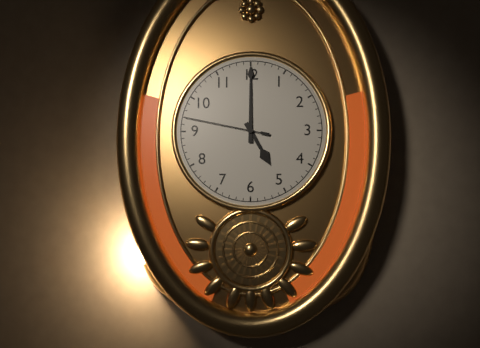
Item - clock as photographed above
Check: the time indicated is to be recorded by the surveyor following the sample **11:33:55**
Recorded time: **5:00:47**
